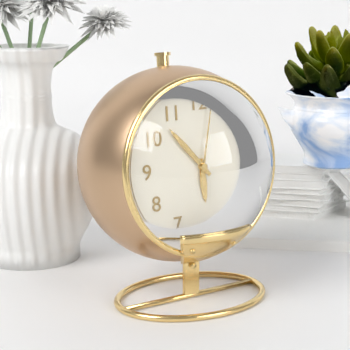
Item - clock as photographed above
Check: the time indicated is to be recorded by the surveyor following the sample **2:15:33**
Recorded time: **5:53:02**
